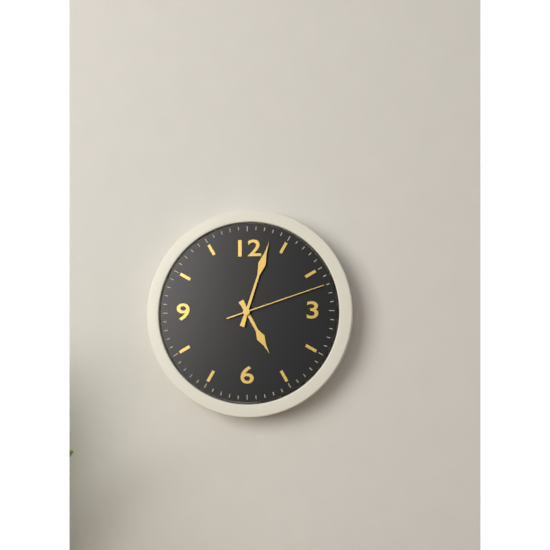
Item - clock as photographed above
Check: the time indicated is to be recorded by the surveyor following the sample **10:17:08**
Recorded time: **5:03:12**
